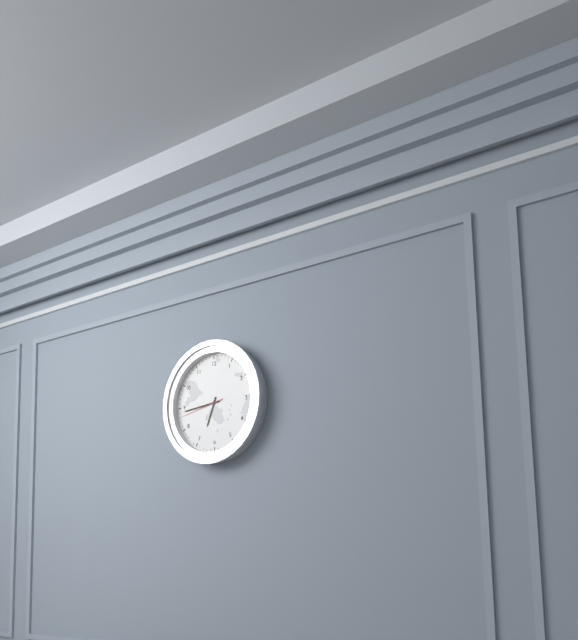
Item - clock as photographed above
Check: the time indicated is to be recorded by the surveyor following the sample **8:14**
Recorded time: **6:44**
